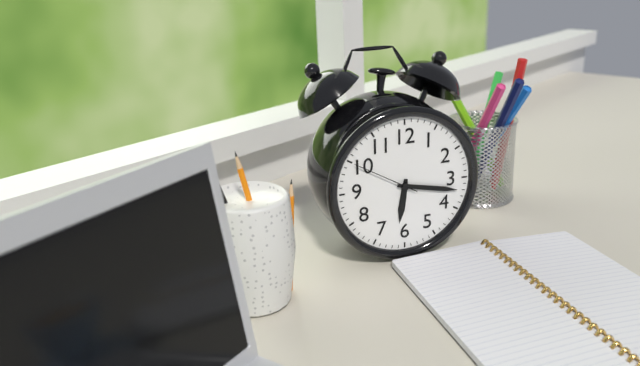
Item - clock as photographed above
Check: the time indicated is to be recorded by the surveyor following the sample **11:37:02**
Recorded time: **6:17:50**
